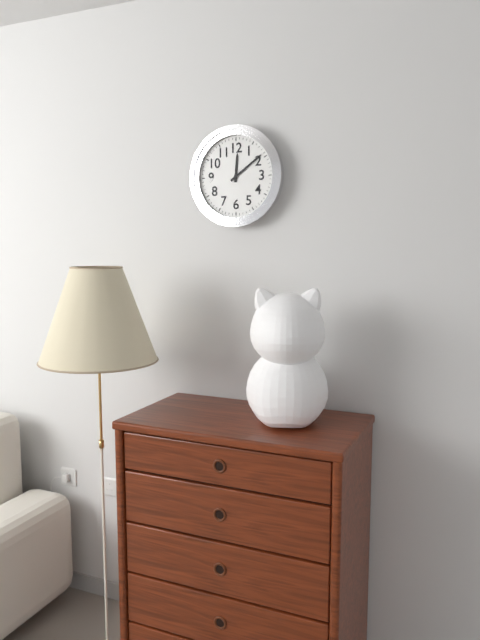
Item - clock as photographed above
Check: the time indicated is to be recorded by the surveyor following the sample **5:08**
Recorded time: **12:09**
